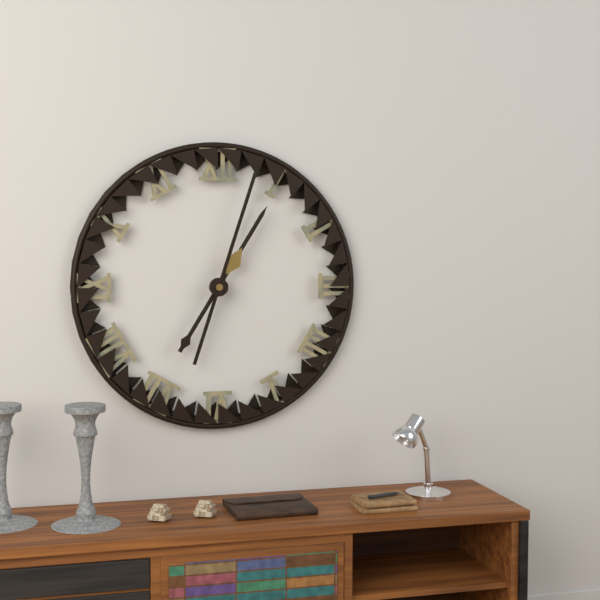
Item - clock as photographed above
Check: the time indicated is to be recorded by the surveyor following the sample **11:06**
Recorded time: **1:03**
